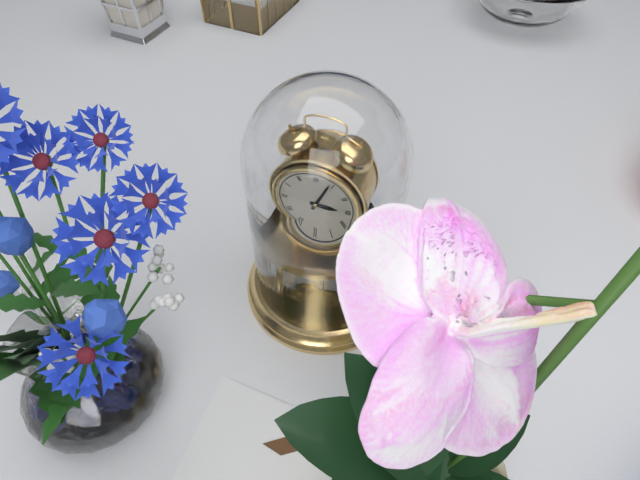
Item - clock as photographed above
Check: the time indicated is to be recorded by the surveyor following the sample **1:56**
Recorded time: **3:04**
